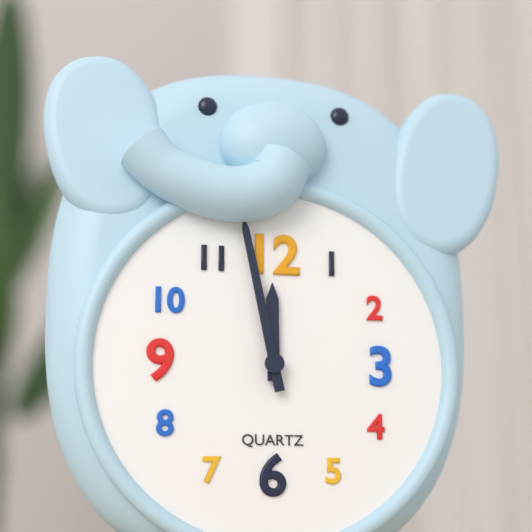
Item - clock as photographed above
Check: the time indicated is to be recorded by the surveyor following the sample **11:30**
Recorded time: **11:58**
